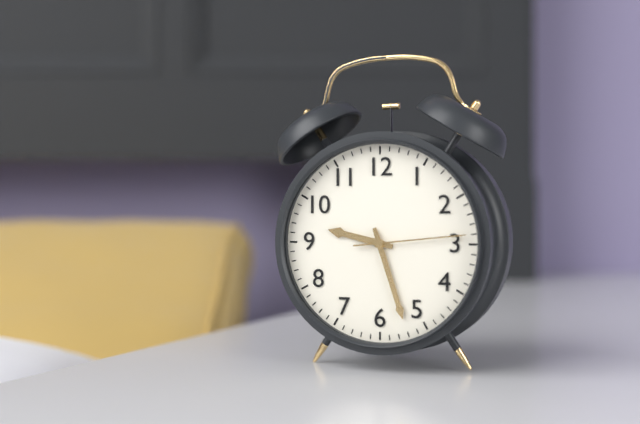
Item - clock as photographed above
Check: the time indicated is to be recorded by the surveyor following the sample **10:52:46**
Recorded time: **9:27:14**
